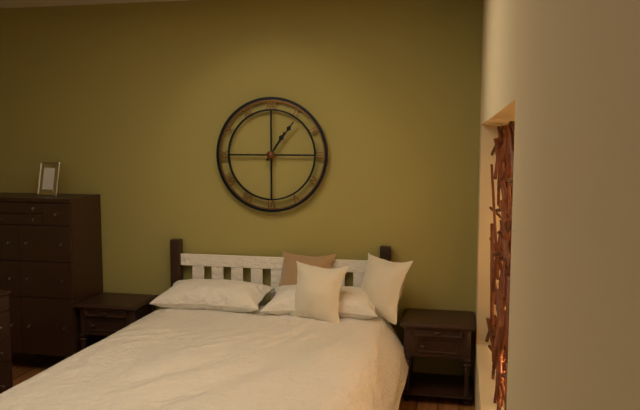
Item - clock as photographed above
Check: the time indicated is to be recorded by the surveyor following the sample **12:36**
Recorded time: **1:06**
